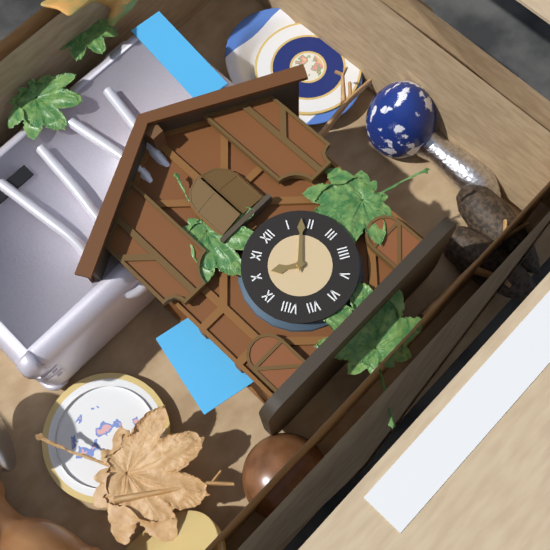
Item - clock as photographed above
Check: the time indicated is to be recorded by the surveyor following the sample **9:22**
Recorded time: **10:08**
